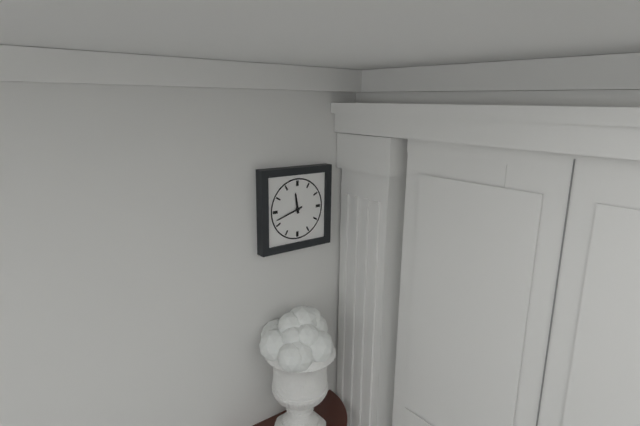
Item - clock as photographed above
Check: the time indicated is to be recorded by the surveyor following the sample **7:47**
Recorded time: **11:42**
